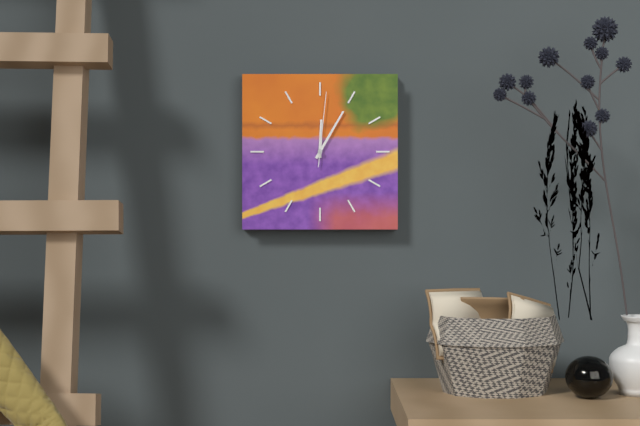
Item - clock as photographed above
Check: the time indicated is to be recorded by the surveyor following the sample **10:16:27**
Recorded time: **12:05:01**
